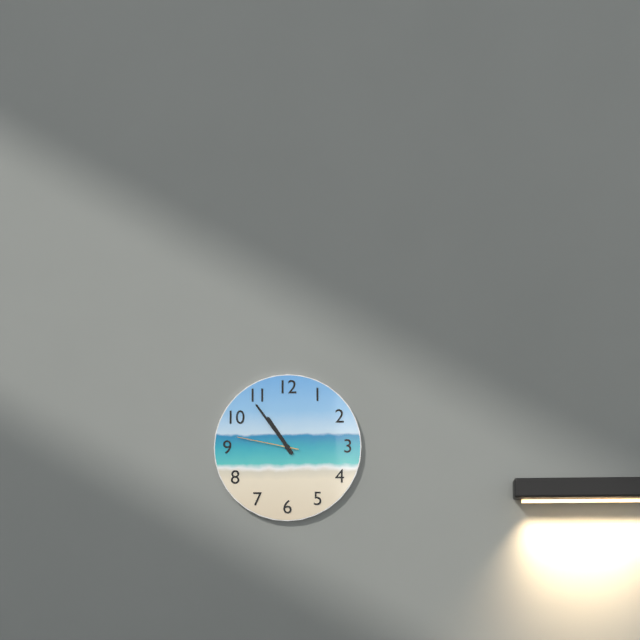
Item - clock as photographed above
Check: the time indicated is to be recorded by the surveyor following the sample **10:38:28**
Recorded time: **10:54:47**
